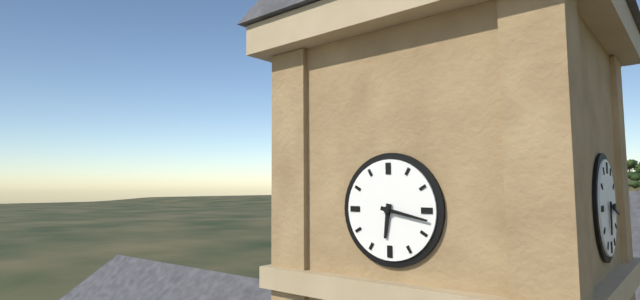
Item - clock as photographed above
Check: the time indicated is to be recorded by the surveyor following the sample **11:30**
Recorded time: **6:17**
